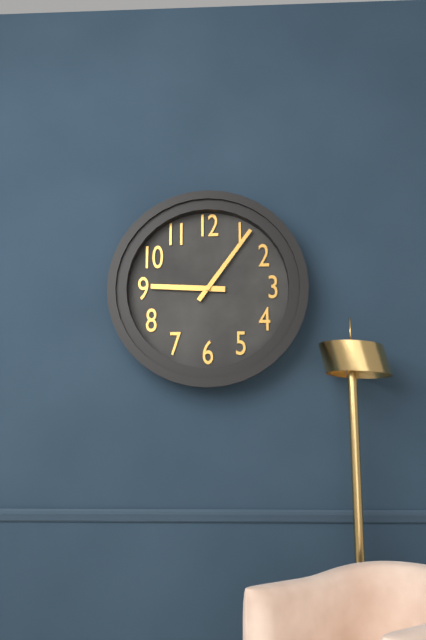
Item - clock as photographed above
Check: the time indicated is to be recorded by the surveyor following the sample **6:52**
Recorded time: **9:06**
